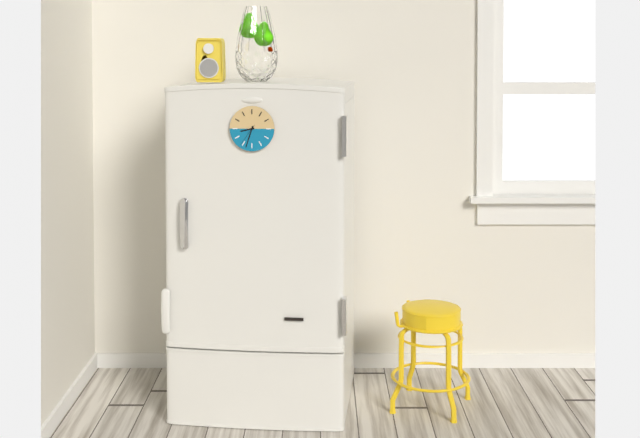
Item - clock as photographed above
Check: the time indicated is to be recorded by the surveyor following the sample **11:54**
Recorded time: **8:33**
